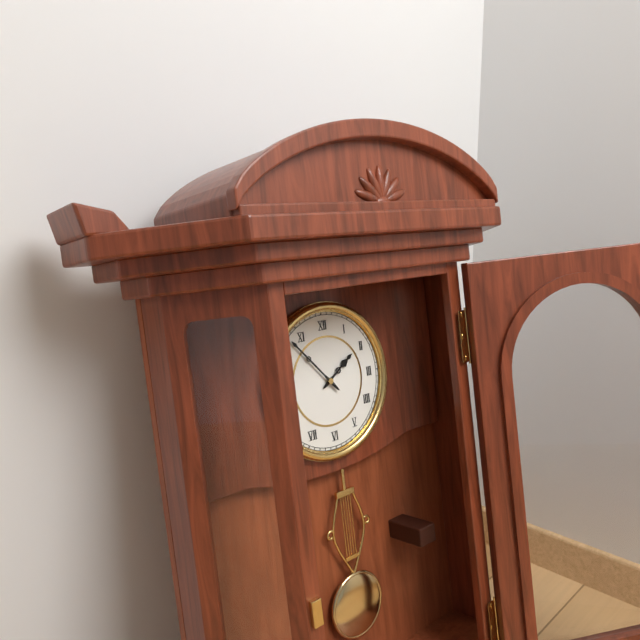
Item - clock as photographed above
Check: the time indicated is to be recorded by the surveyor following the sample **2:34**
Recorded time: **1:53**
